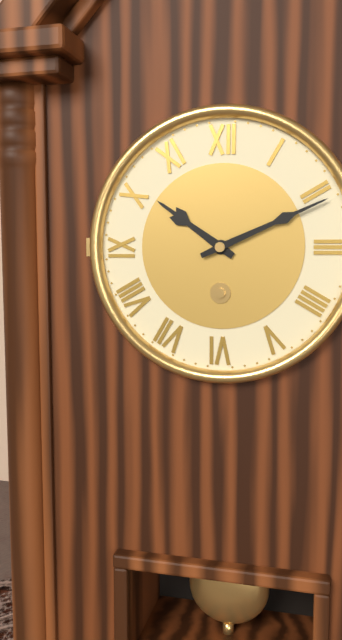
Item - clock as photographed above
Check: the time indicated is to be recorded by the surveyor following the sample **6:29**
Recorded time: **10:11**
